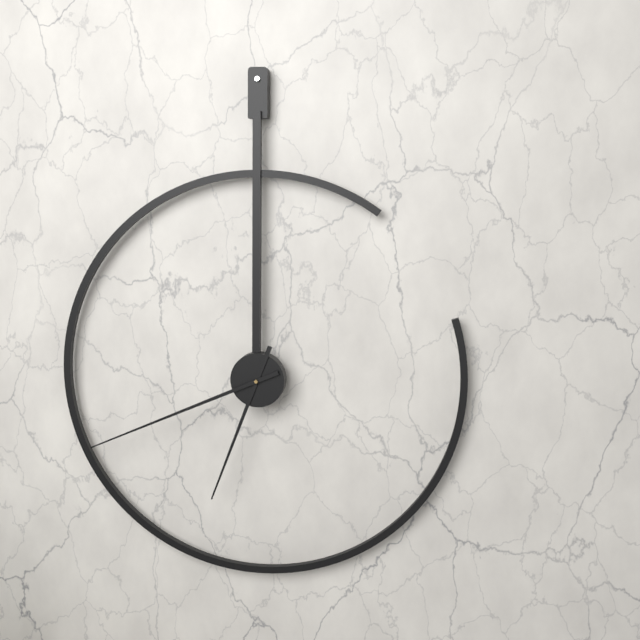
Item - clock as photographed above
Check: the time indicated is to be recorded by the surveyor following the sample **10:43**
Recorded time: **6:41**
